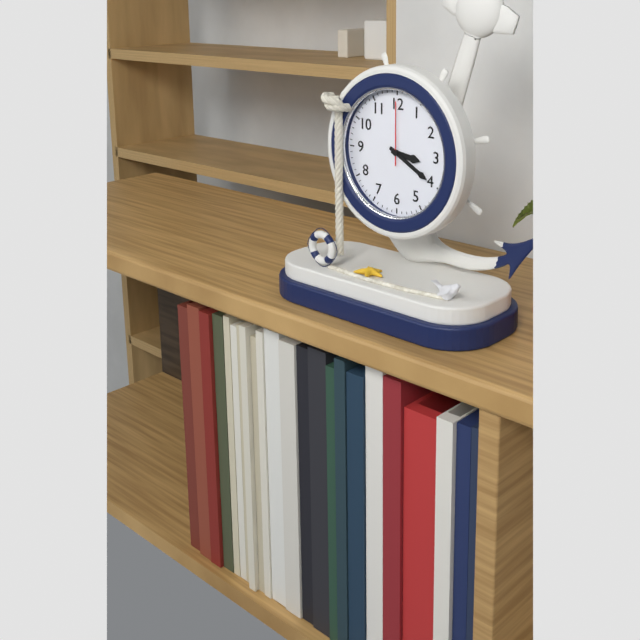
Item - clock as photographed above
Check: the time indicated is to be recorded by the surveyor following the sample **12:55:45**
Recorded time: **3:20:00**
